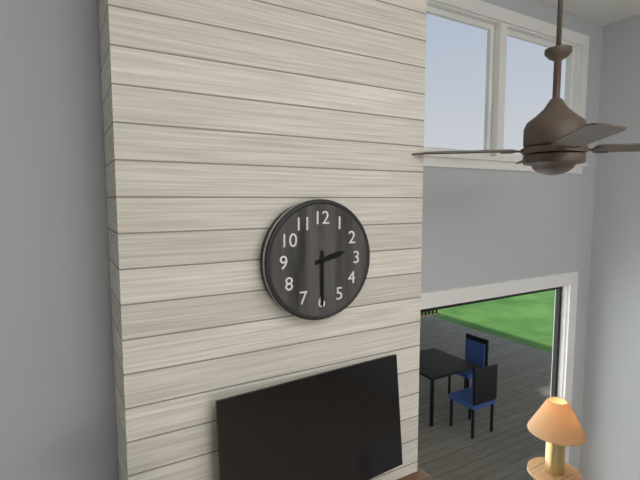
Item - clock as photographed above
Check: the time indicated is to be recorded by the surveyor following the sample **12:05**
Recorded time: **2:30**
